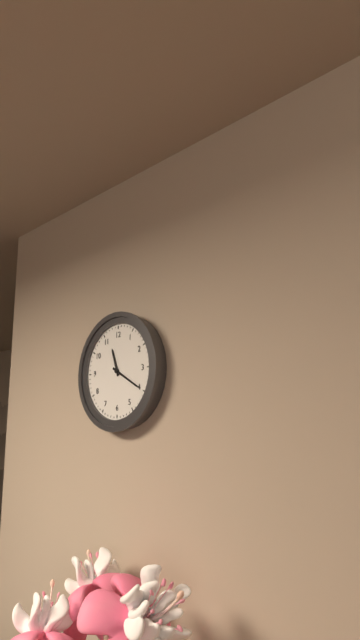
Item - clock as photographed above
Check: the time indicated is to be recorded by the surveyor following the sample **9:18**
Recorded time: **11:20**
